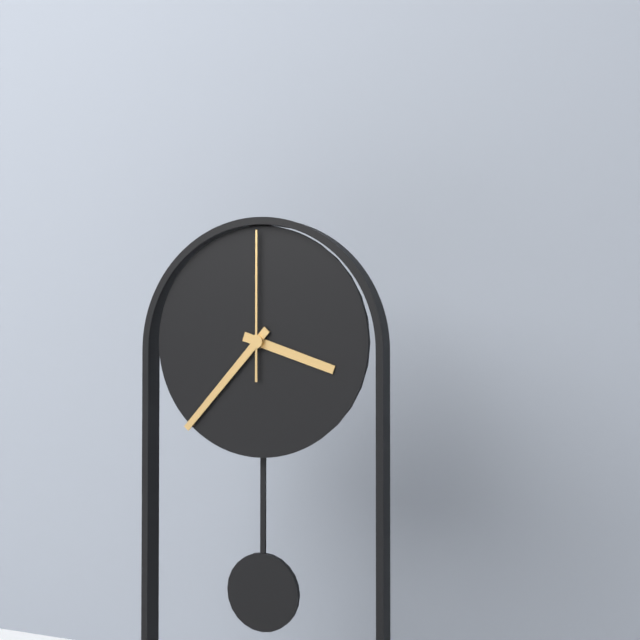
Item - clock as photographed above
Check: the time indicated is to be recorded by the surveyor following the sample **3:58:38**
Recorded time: **3:37:00**
